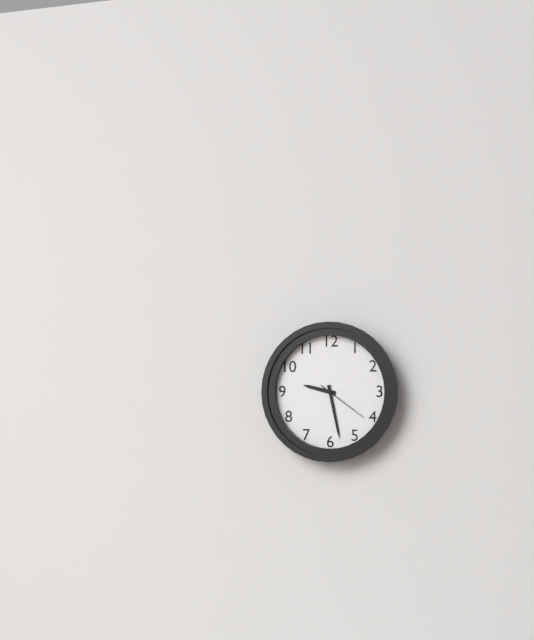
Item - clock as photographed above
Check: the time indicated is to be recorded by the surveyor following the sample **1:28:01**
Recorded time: **9:28:21**
